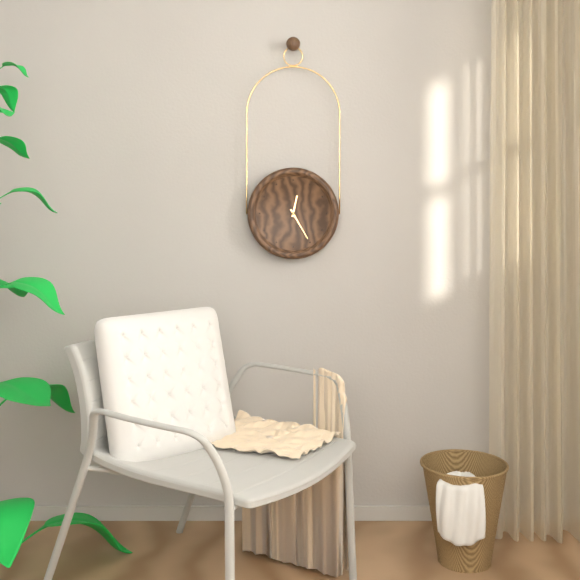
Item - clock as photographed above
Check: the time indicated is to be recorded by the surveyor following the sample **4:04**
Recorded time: **12:25**
